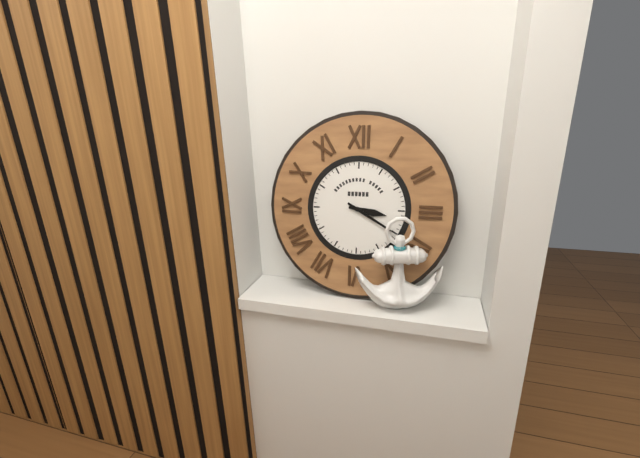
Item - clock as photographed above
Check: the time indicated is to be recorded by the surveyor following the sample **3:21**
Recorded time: **3:20**
